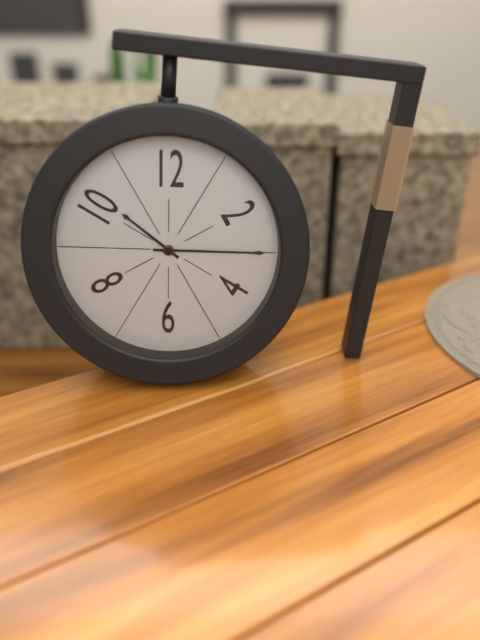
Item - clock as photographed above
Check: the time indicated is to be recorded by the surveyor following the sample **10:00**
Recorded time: **10:15**
